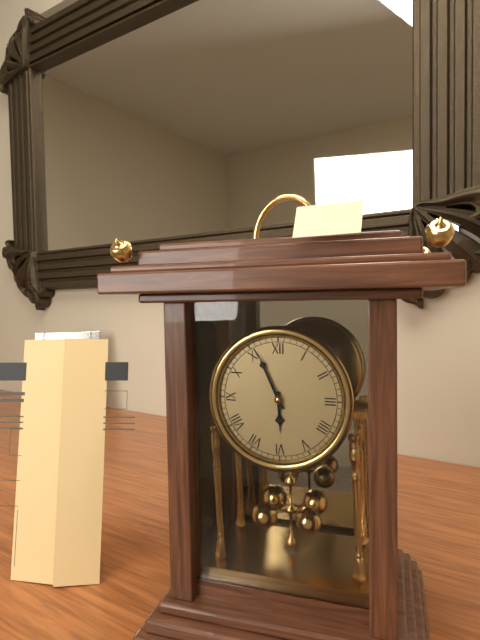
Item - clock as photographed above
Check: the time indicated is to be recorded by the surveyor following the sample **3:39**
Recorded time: **5:56**
